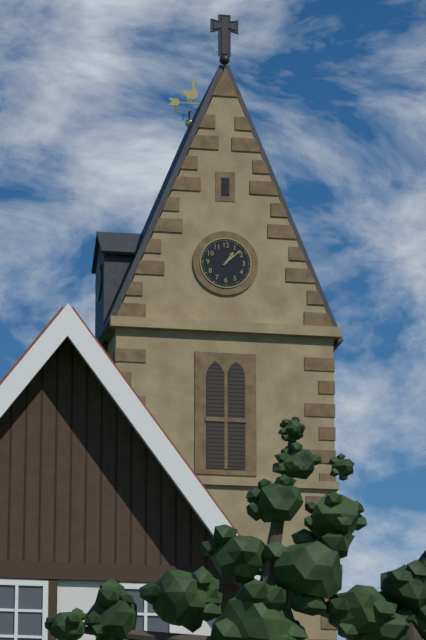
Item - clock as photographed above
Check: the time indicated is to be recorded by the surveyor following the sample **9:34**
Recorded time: **1:08**
